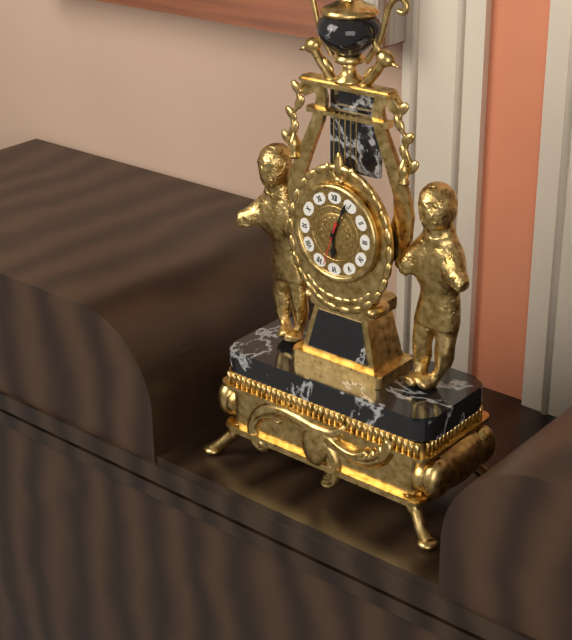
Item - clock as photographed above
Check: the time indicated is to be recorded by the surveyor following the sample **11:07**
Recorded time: **6:04**
